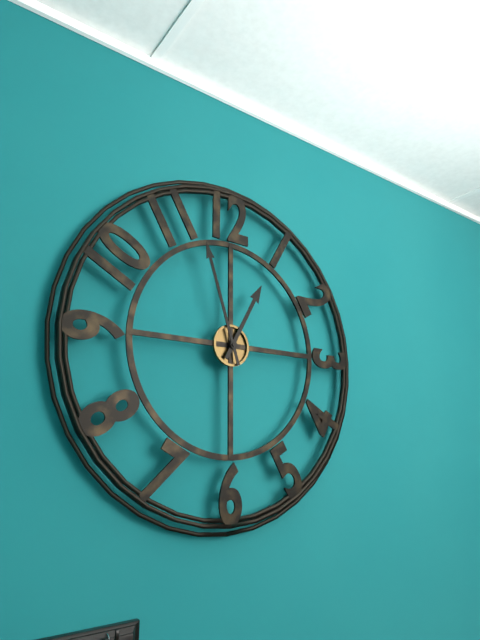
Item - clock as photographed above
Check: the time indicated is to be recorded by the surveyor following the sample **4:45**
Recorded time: **12:57**
